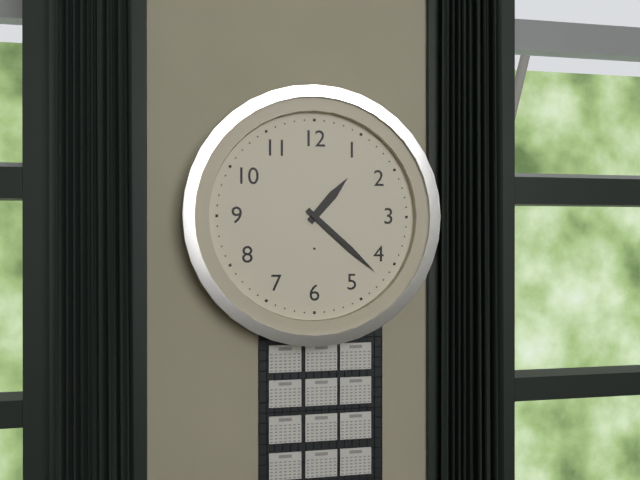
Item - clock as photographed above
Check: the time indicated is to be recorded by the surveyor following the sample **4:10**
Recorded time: **1:22**
